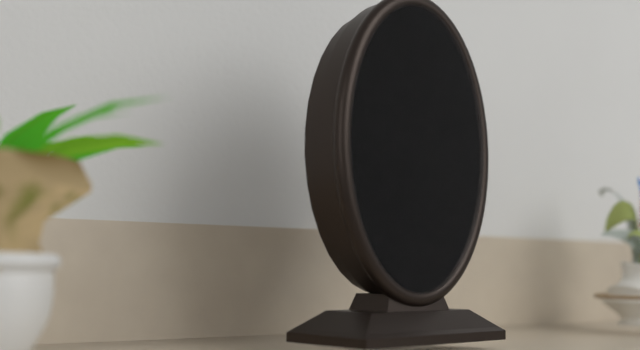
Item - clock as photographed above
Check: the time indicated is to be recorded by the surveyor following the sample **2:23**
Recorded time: **10:26**
